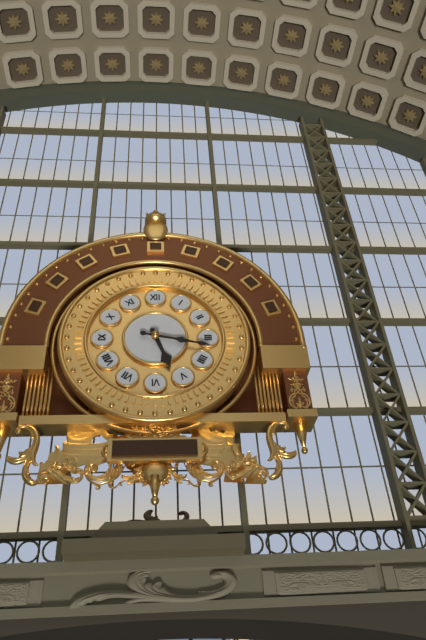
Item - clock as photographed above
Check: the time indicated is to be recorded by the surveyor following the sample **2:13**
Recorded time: **5:17**
